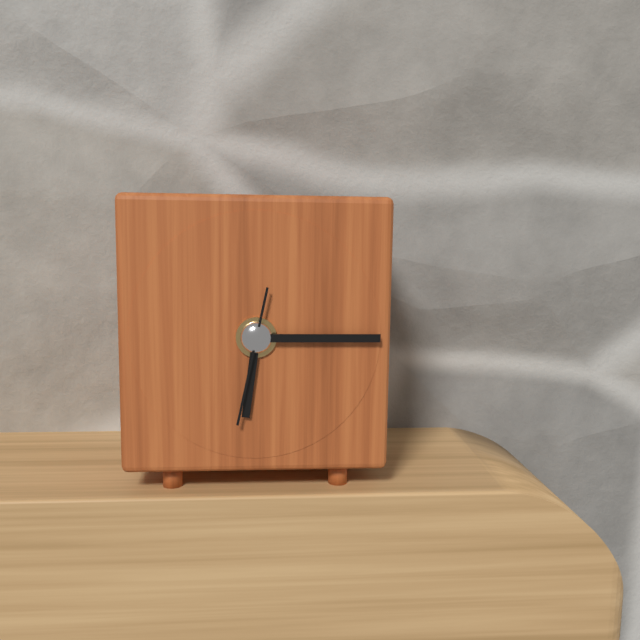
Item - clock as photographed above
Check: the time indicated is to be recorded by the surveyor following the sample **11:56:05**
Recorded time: **6:15:32**
